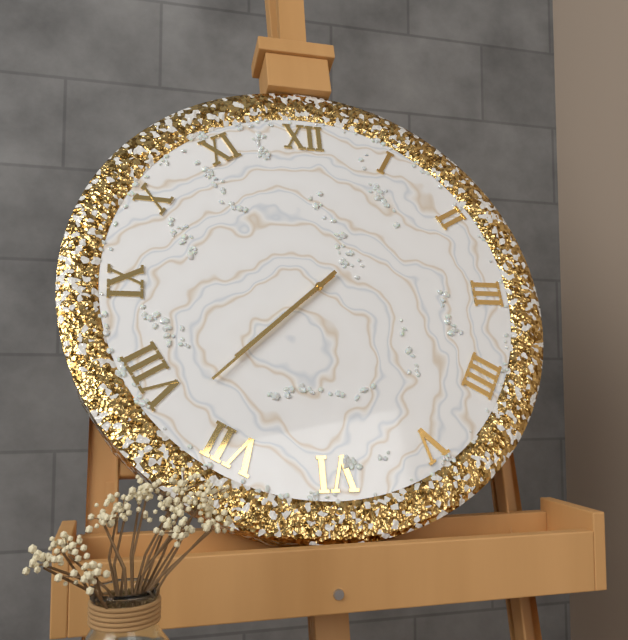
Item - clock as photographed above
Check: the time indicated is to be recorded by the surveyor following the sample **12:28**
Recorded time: **7:38**
